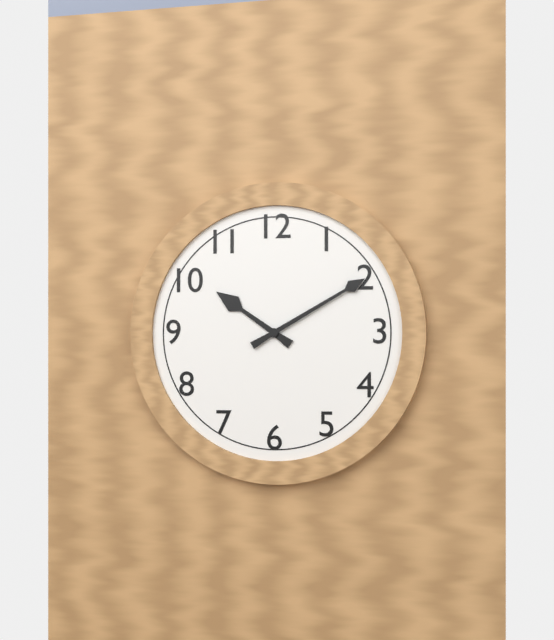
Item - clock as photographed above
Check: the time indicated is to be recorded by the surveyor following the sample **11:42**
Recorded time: **10:10**
